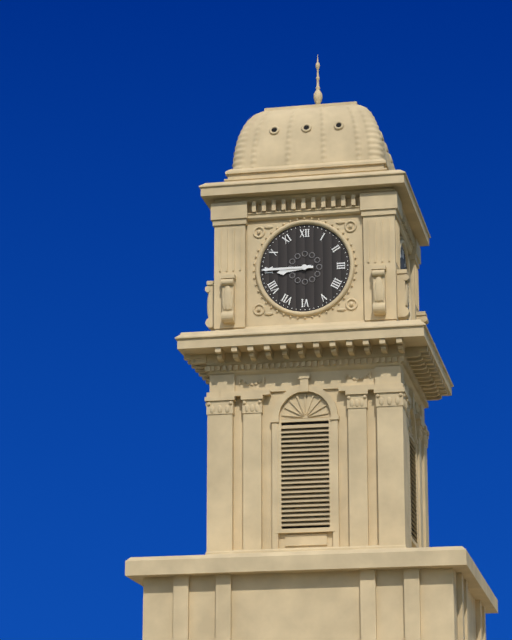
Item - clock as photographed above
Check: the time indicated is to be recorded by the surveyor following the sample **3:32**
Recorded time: **8:45**
